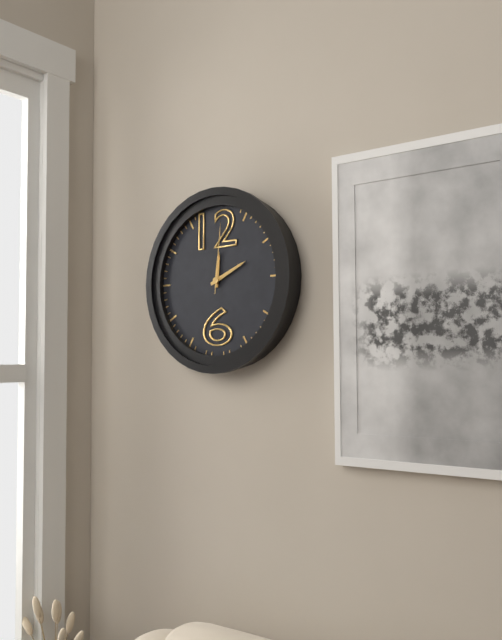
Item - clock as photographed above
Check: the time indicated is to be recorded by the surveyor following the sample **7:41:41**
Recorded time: **12:11:01**
